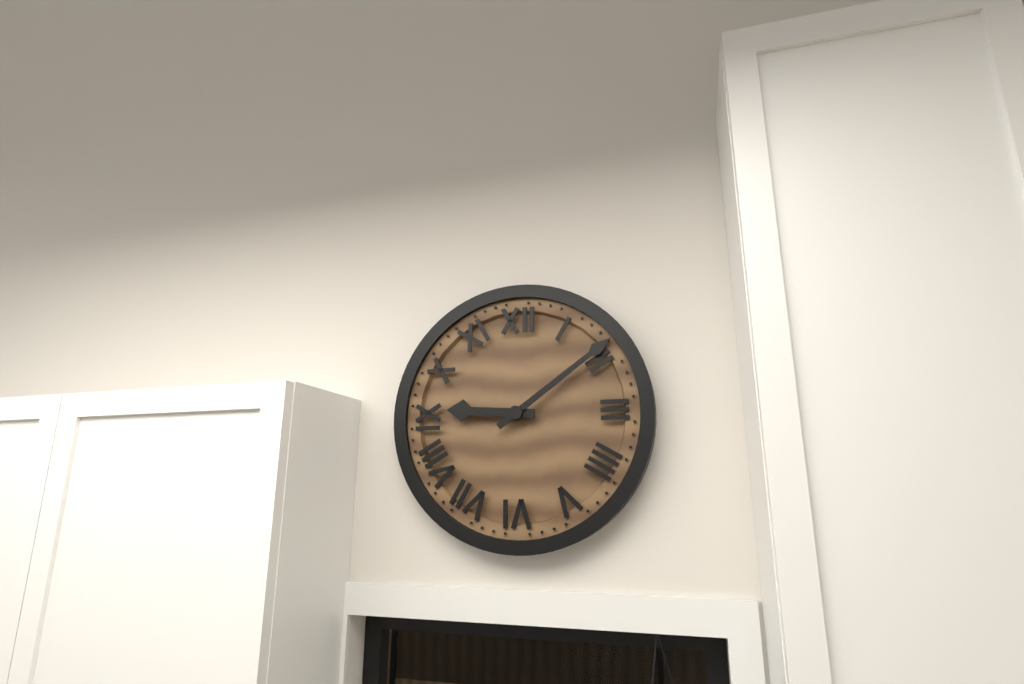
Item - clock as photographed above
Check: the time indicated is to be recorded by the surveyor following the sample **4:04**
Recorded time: **9:09**
